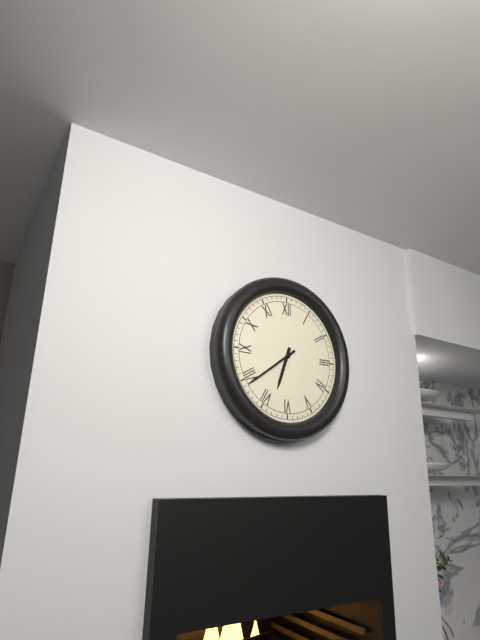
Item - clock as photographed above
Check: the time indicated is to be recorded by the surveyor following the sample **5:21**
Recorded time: **6:39**
